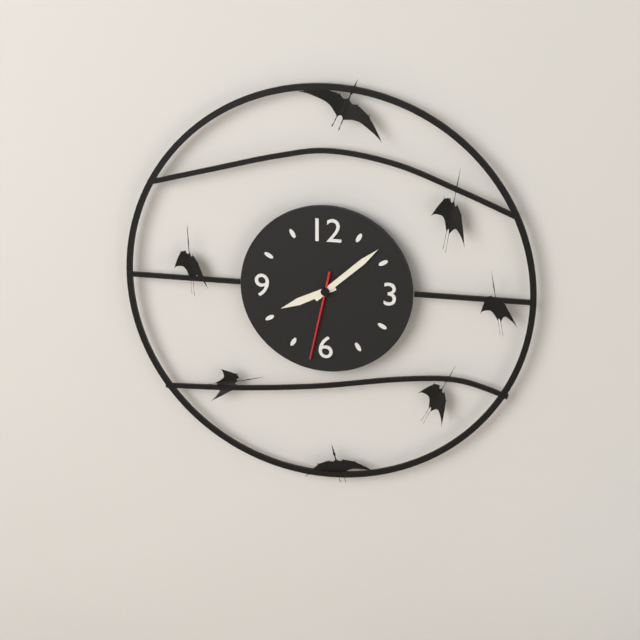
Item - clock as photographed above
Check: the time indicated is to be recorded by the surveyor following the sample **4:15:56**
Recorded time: **8:08:32**
